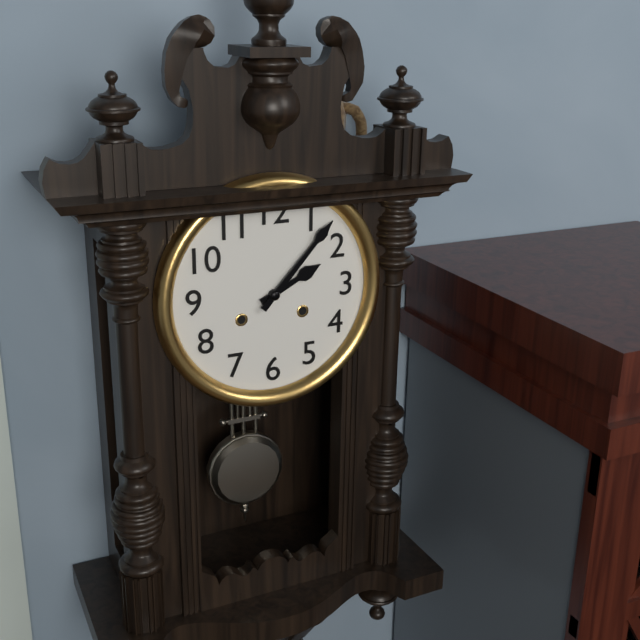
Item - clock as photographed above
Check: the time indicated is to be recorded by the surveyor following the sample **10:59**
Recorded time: **2:07**
